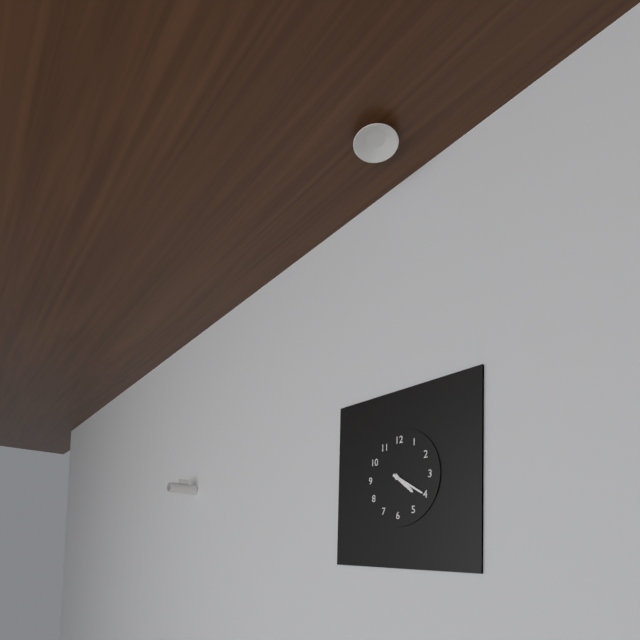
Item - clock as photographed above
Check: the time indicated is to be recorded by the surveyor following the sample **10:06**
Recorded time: **4:20**
